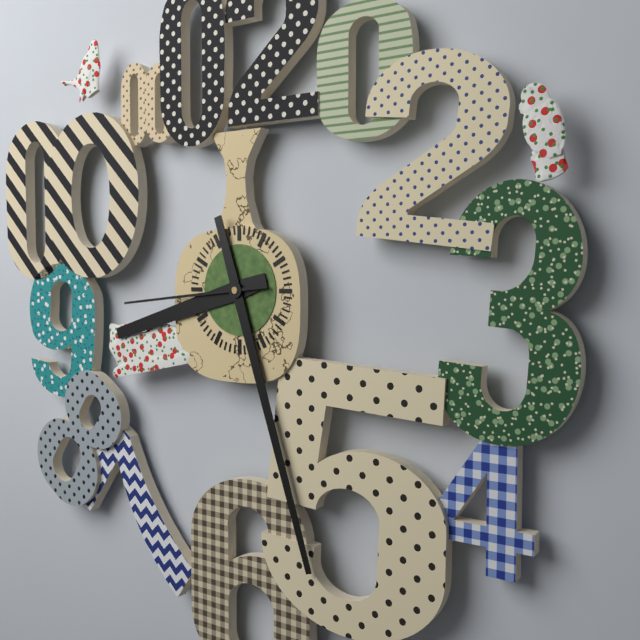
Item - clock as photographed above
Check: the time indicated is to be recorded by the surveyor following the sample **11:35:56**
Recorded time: **8:27:44**
